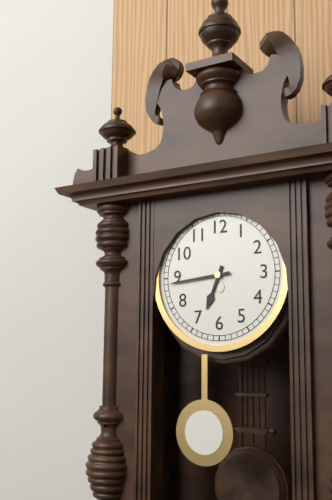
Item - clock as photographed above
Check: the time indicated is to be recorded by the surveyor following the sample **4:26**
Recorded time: **6:44**
